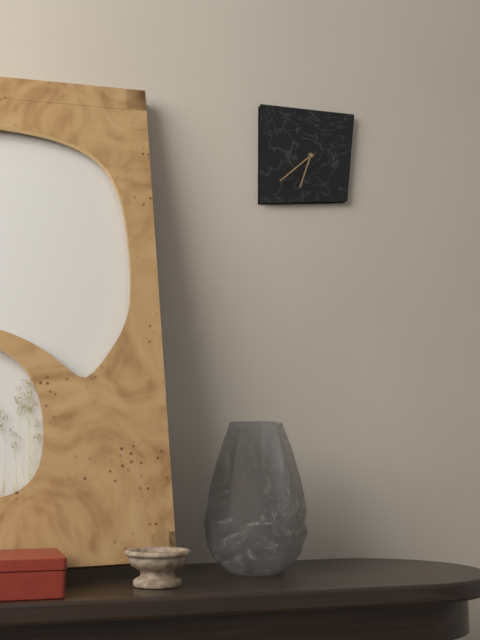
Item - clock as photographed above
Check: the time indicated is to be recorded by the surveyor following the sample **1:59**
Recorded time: **6:38**
